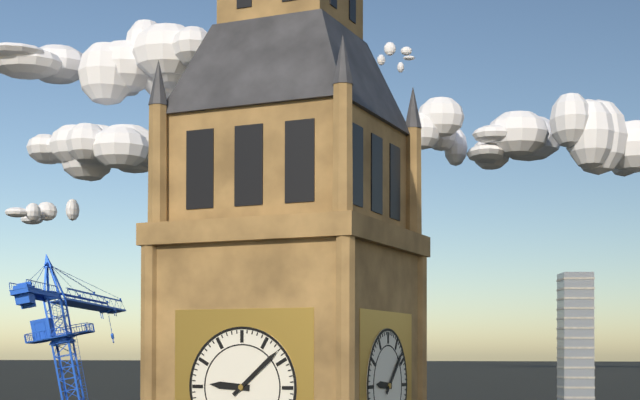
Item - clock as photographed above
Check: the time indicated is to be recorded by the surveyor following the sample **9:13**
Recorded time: **9:08**
